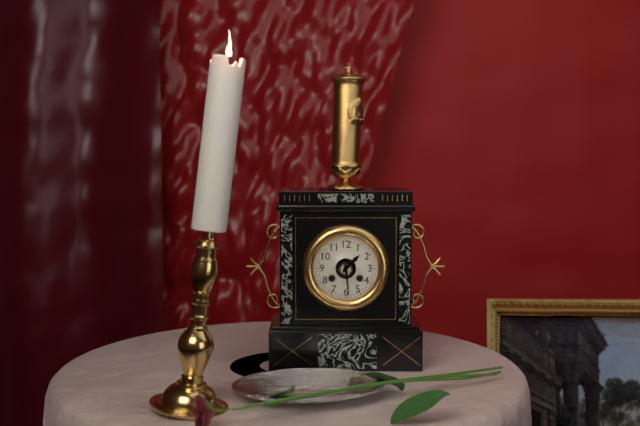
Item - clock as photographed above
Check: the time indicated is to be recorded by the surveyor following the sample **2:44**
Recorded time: **1:29**
